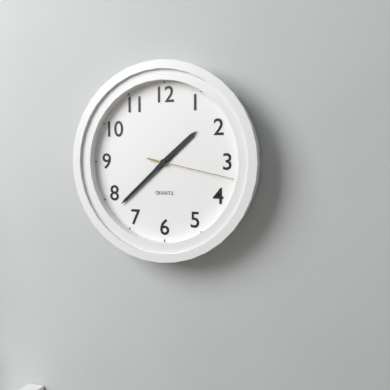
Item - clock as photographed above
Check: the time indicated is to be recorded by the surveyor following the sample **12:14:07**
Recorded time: **1:38:17**
